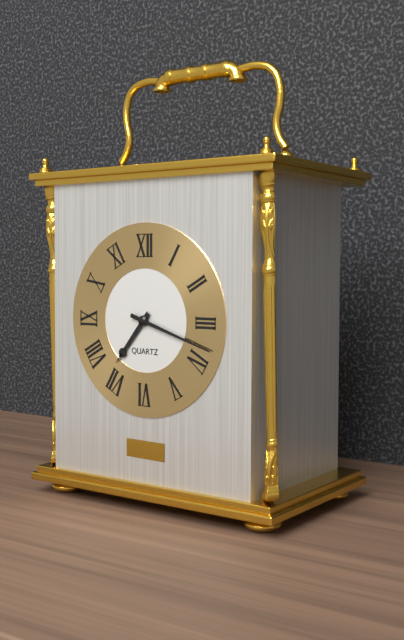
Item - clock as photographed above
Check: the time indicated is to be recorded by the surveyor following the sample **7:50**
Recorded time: **7:18**
